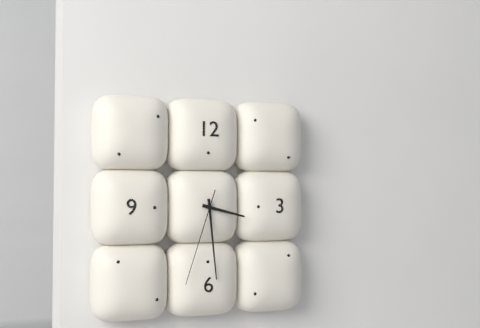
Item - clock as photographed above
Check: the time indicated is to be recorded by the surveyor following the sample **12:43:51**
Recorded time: **3:29:33**
